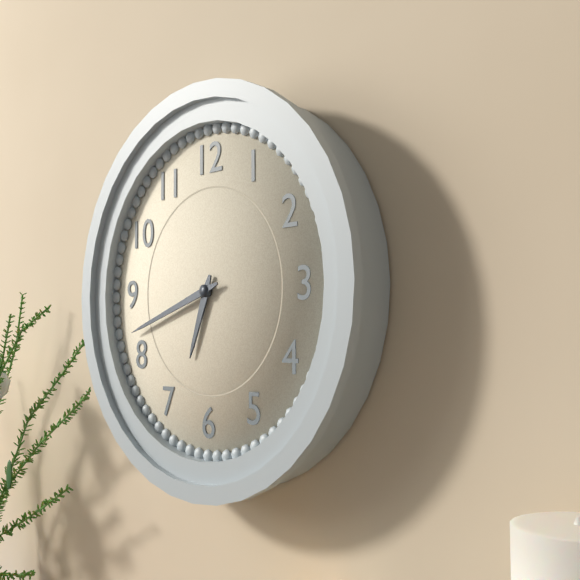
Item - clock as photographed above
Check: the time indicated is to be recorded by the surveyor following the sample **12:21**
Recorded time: **6:42**
